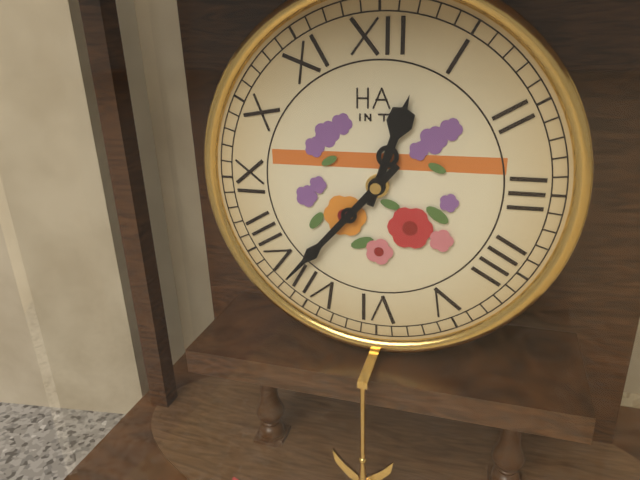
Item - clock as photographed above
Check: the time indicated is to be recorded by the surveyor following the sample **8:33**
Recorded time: **12:37**
